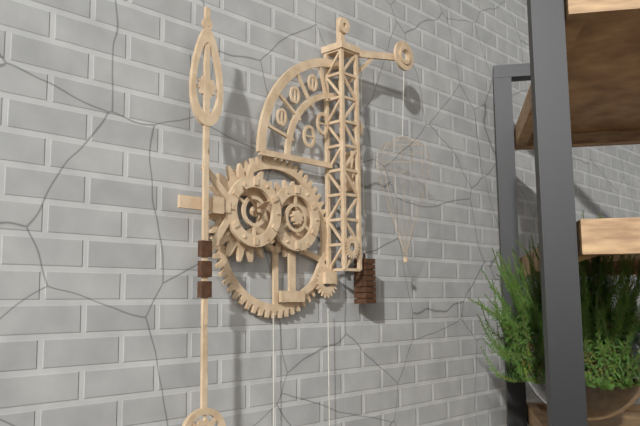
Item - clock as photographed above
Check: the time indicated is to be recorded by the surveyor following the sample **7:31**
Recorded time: **1:53**
